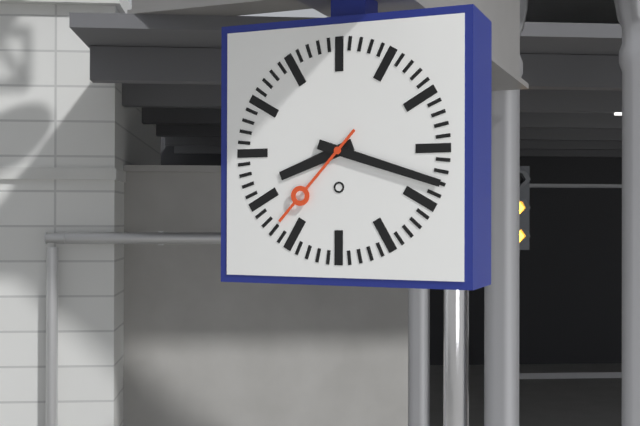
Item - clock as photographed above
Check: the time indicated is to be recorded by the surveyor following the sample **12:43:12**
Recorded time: **8:18:37**
